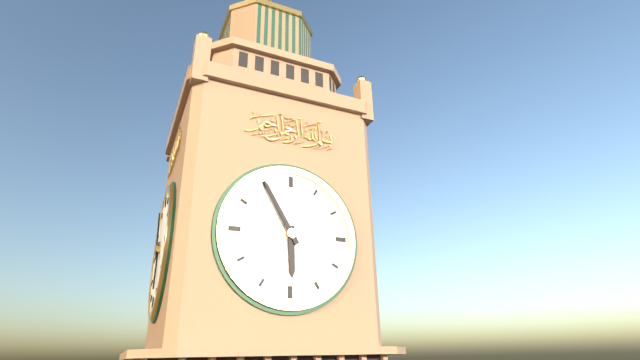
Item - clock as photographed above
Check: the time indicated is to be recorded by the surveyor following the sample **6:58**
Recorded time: **5:55**
